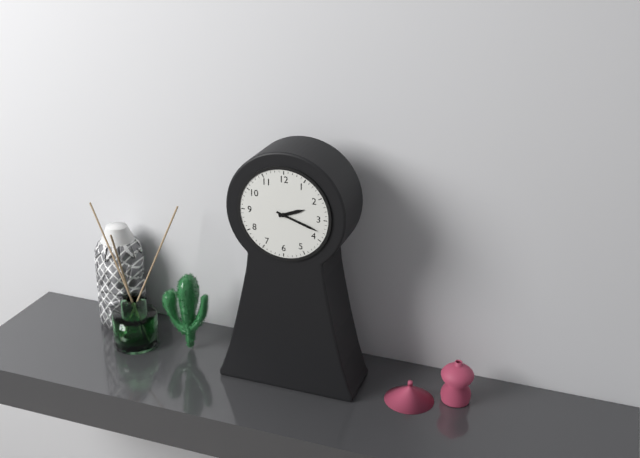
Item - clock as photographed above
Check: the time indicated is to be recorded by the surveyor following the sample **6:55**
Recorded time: **2:18**
